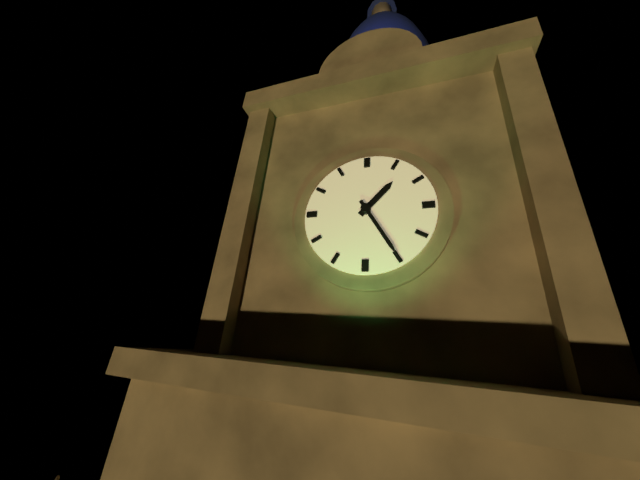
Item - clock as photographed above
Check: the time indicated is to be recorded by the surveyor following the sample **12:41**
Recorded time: **1:25**
